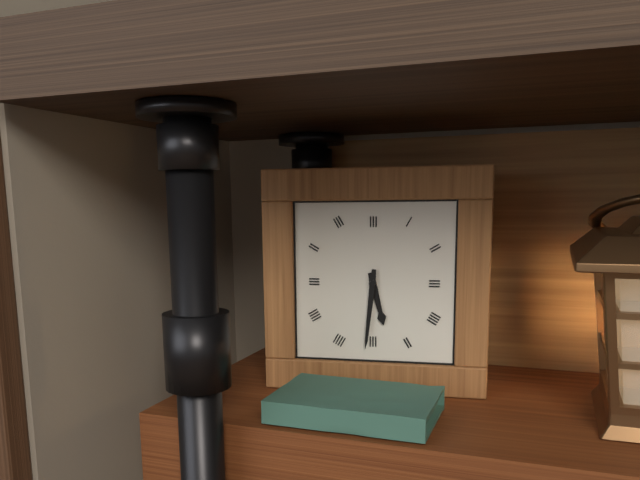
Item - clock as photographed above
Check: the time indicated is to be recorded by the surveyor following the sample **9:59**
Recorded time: **5:31**
